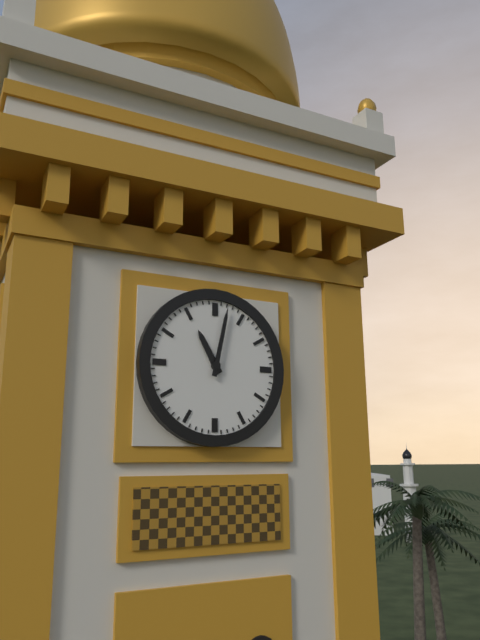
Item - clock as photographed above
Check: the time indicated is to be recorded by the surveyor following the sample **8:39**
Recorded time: **11:02**
